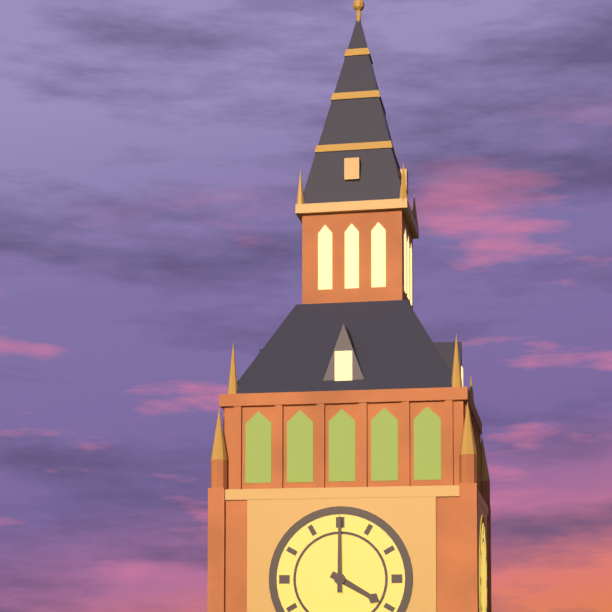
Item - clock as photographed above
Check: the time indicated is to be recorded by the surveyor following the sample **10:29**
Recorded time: **4:00**
